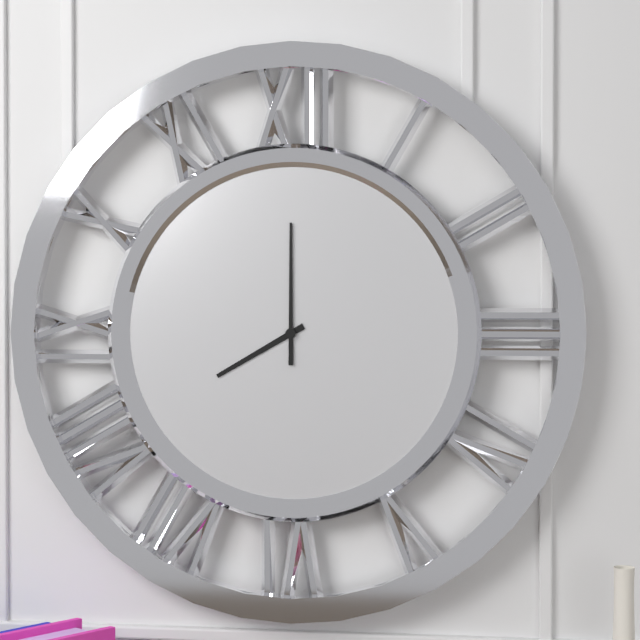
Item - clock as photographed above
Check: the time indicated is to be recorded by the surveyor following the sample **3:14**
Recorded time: **8:00**
